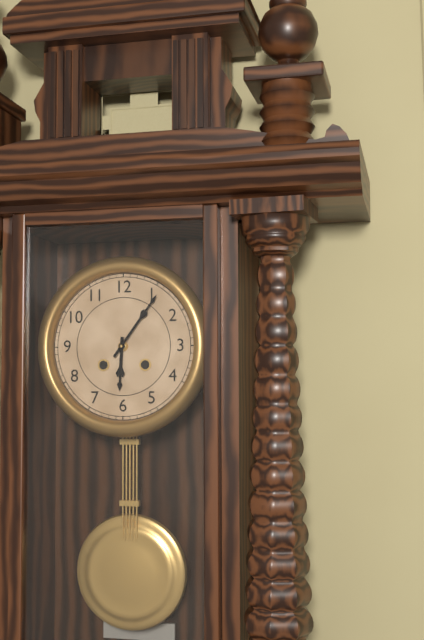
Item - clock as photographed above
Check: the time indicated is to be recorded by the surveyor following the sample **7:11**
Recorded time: **6:06**
